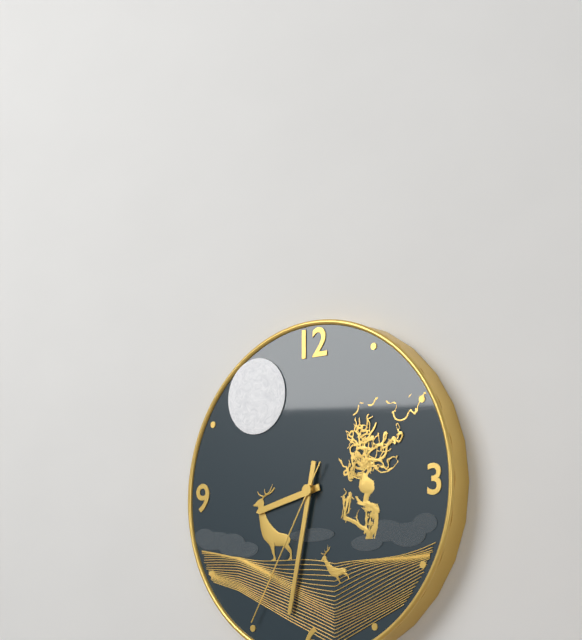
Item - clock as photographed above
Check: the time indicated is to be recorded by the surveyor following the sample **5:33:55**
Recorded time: **8:32:35**
